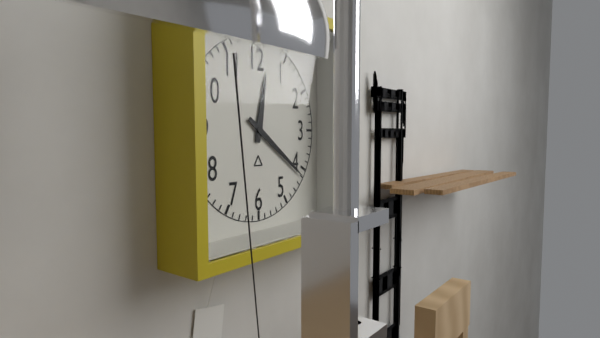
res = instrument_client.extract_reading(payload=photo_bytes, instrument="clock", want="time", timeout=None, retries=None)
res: 12:21
